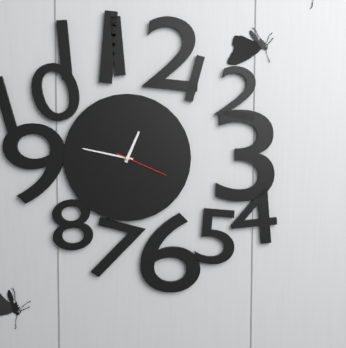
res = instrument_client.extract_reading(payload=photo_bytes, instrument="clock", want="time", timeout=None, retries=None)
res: 12:47:19
